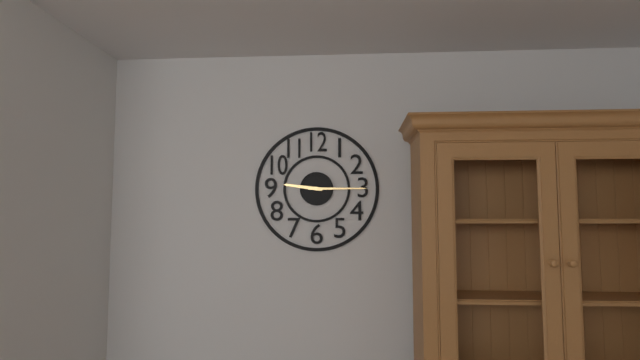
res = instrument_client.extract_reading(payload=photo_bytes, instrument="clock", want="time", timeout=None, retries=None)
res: 9:15
